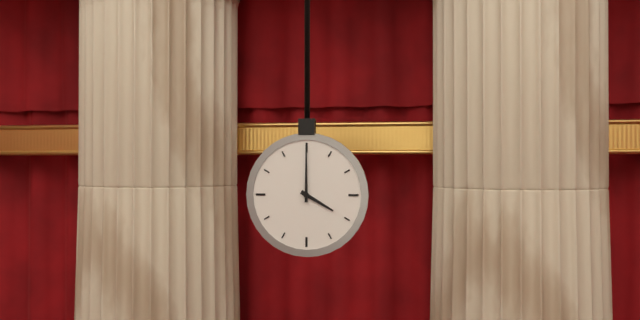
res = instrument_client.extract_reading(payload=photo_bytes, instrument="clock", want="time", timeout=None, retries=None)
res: 4:00
